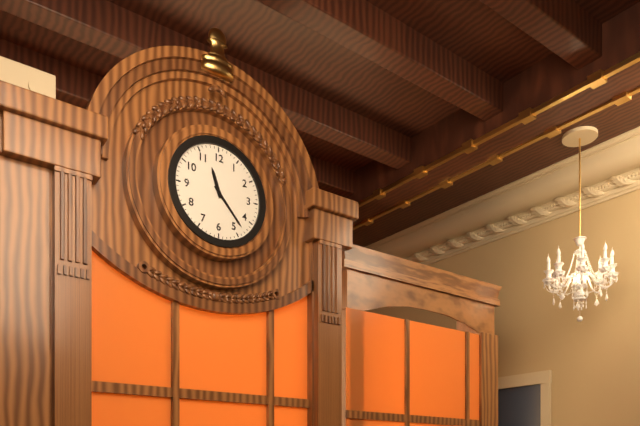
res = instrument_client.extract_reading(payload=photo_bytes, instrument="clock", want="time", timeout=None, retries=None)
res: 11:23
